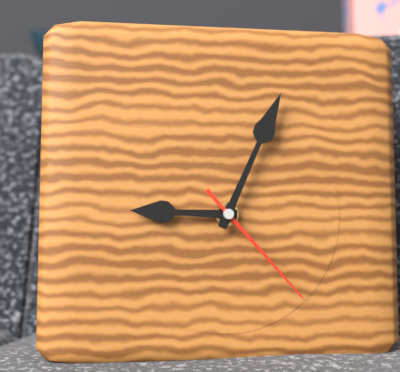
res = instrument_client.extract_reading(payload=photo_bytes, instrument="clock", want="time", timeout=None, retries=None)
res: 9:04:23
